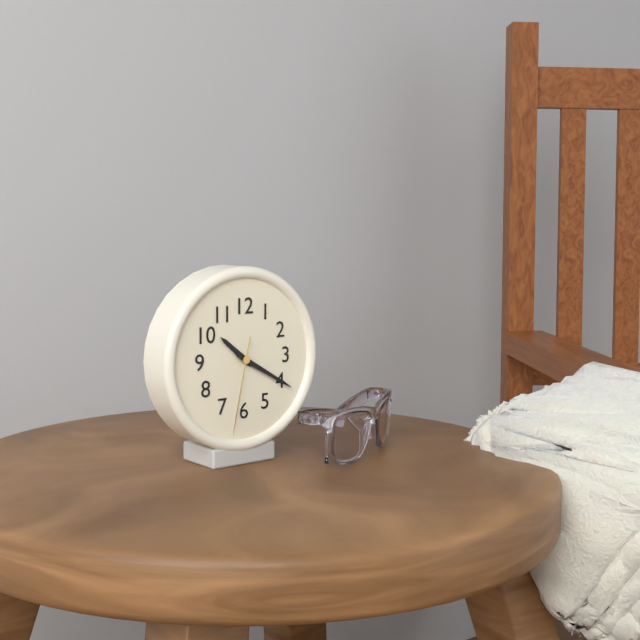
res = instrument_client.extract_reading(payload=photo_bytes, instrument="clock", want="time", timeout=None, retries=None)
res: 10:20:32
